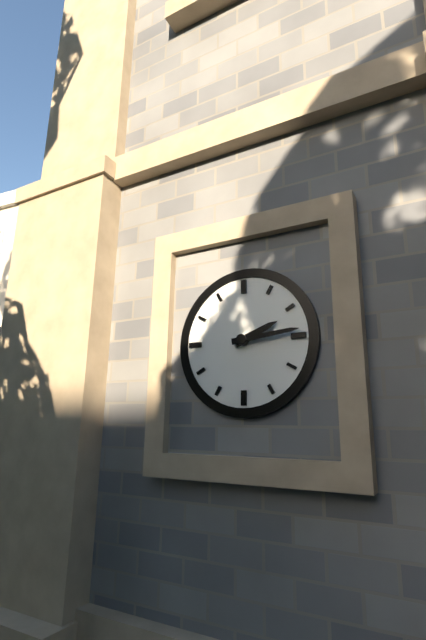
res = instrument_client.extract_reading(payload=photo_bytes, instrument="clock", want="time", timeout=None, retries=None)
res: 2:14
